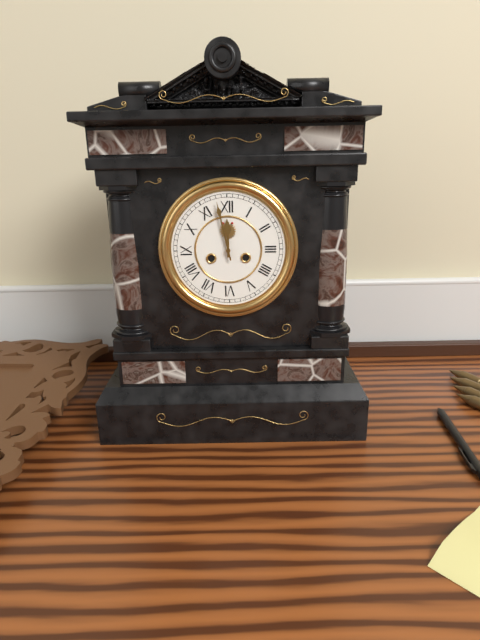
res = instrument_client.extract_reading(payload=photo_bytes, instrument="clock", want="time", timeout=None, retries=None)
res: 11:58
